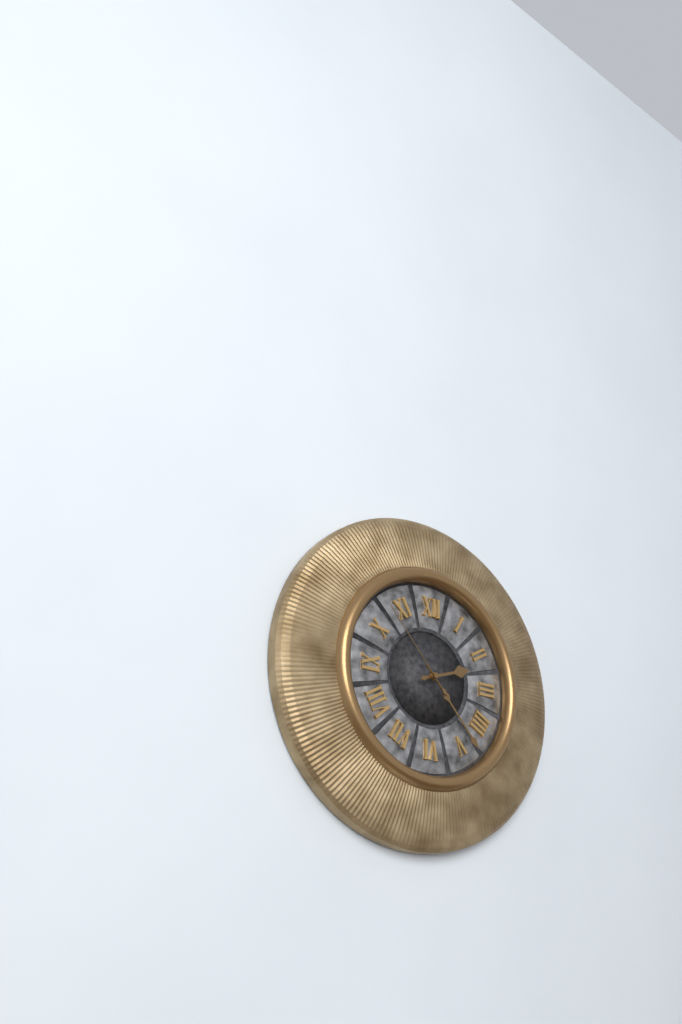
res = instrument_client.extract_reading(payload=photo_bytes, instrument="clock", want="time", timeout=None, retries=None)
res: 2:23:53
